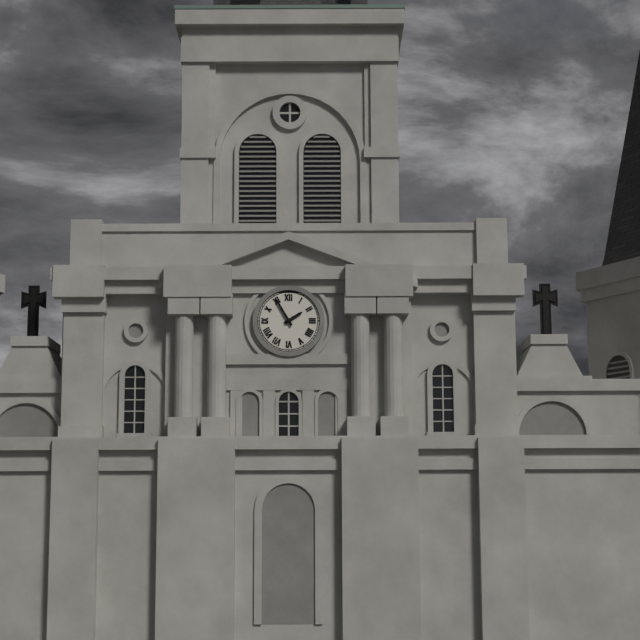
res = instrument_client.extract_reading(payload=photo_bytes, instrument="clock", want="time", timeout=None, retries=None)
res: 1:55
